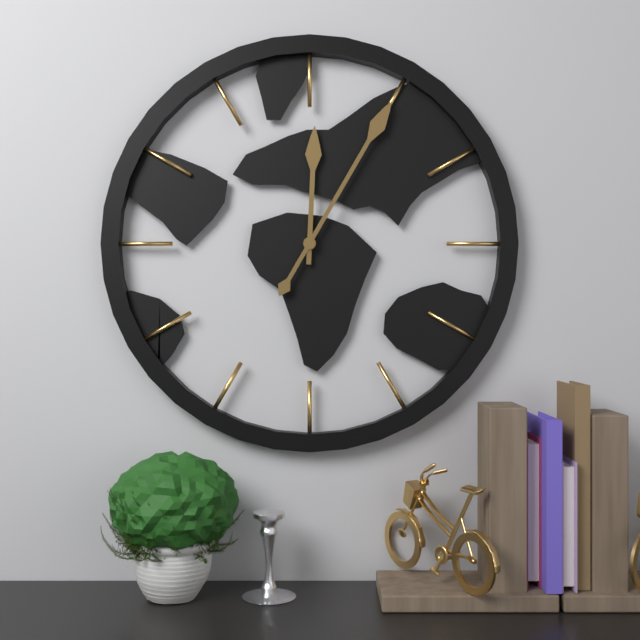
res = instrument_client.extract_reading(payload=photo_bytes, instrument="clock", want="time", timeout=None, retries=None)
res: 12:05
